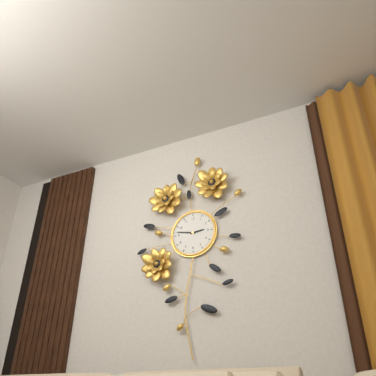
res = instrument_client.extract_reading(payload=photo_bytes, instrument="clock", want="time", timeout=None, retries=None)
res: 2:47
